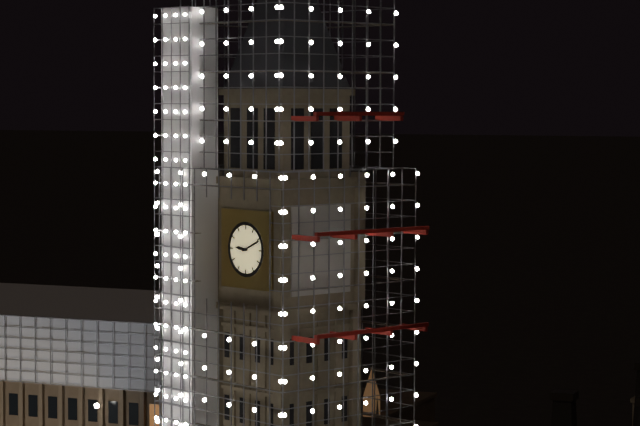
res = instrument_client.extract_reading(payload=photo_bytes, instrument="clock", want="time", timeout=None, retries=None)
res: 9:11
